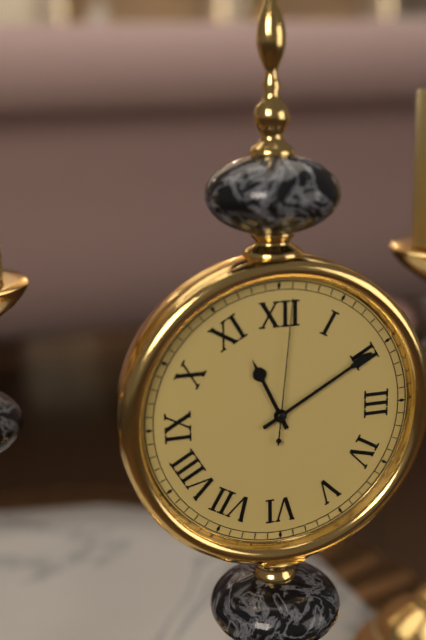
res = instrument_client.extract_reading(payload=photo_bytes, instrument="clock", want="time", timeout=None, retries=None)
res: 11:10:01
